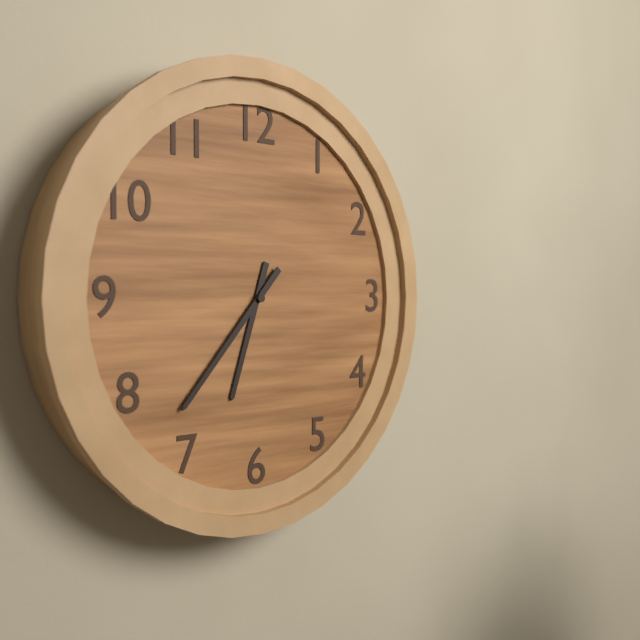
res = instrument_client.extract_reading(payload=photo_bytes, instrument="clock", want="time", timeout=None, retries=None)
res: 6:37
